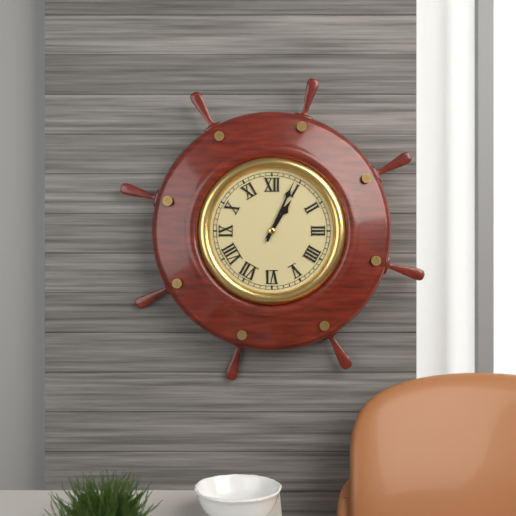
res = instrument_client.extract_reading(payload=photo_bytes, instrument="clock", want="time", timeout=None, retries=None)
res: 1:04
